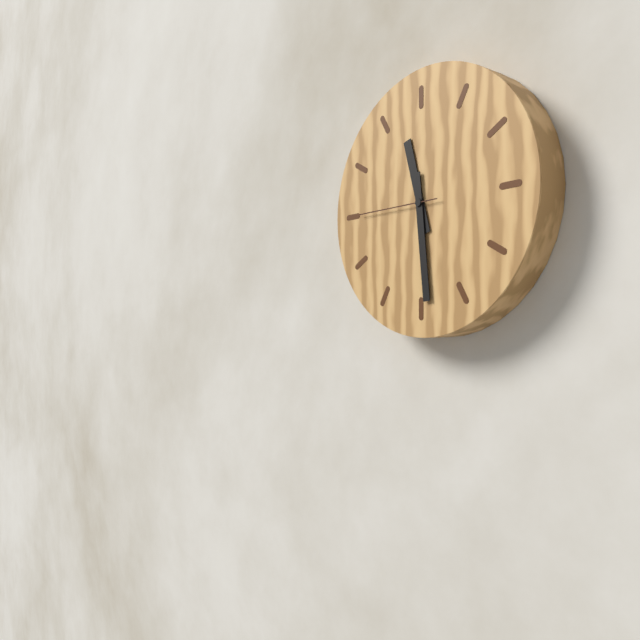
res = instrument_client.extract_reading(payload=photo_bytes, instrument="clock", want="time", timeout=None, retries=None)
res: 11:29:45
